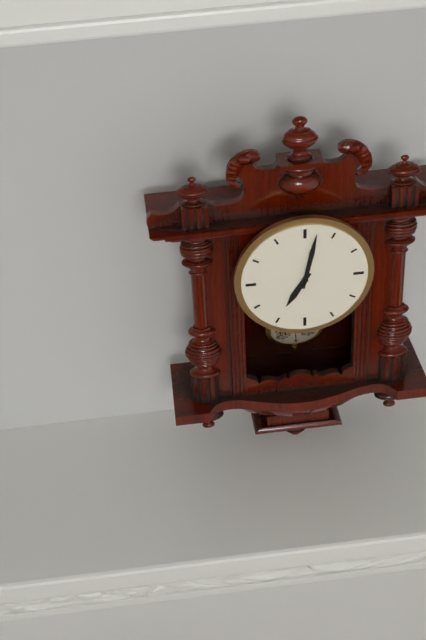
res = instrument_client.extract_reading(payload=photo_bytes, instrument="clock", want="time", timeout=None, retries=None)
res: 7:02
